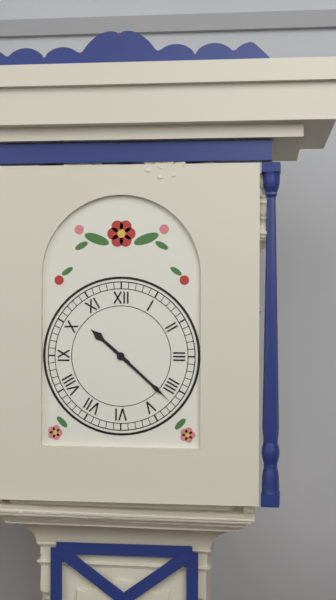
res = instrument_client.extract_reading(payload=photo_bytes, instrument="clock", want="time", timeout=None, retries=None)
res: 10:22
